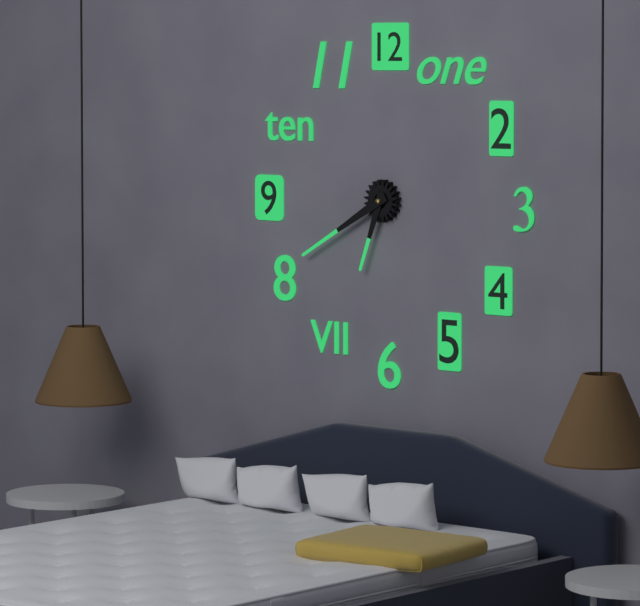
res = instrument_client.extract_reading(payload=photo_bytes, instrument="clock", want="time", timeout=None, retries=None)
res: 6:40
